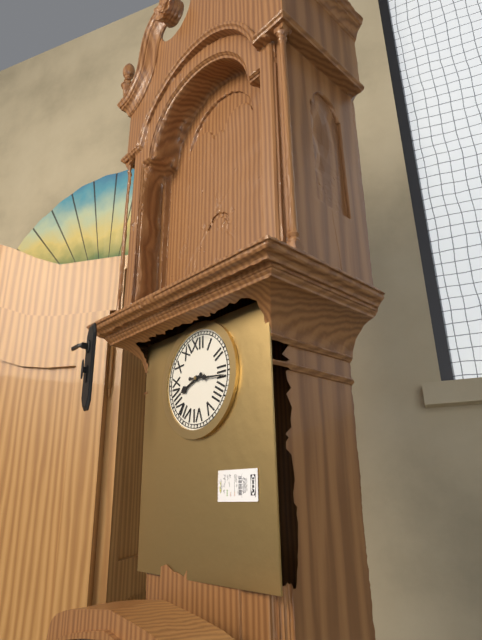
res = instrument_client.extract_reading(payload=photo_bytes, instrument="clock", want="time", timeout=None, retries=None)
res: 8:16
